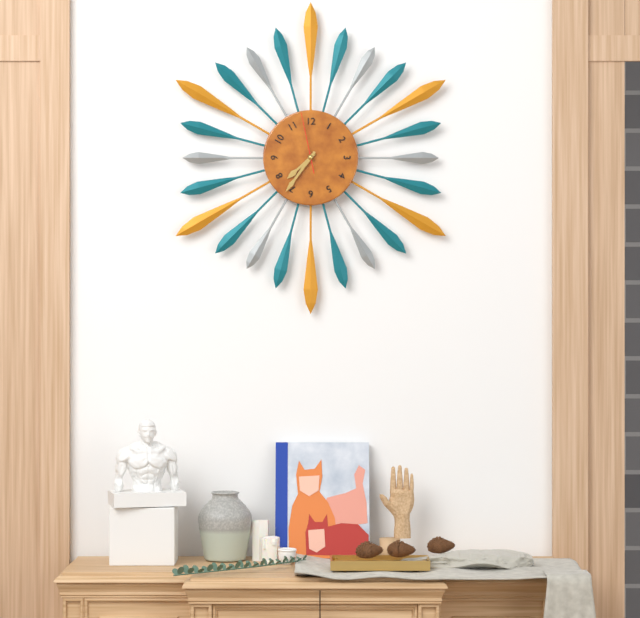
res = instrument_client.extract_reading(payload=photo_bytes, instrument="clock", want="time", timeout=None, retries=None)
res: 7:36:58
